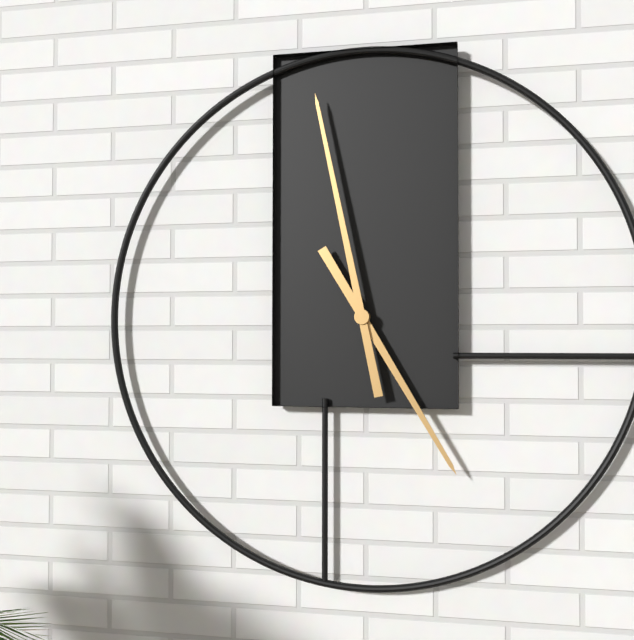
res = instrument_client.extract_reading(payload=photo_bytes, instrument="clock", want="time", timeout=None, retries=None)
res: 4:58
